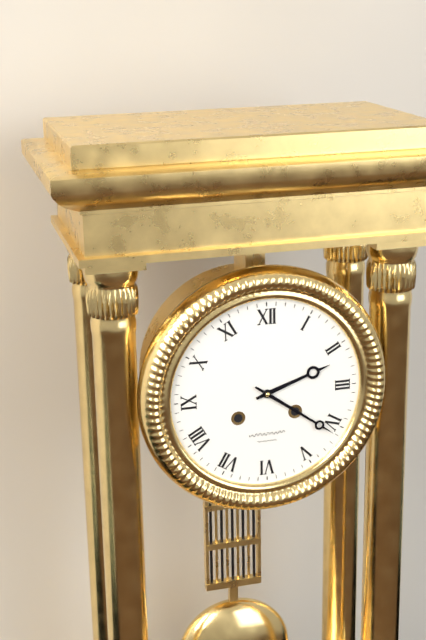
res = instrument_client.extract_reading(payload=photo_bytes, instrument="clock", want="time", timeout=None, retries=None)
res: 2:21
